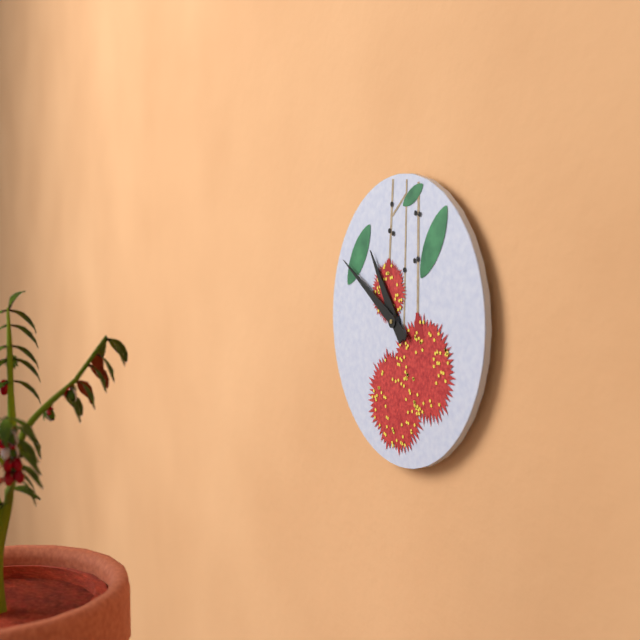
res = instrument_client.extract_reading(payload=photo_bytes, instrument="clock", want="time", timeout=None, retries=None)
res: 10:50
